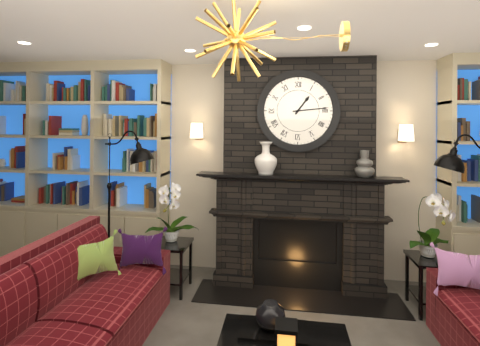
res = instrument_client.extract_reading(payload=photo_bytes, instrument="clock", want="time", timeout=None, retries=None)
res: 1:14
